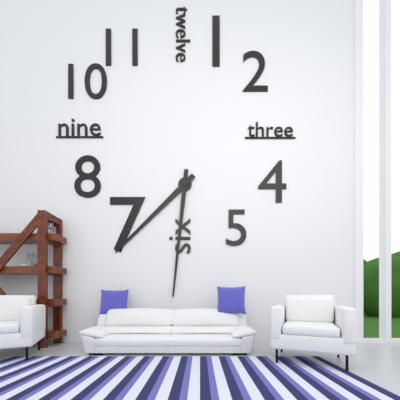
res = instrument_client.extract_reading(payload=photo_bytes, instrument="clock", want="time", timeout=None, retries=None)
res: 7:31
